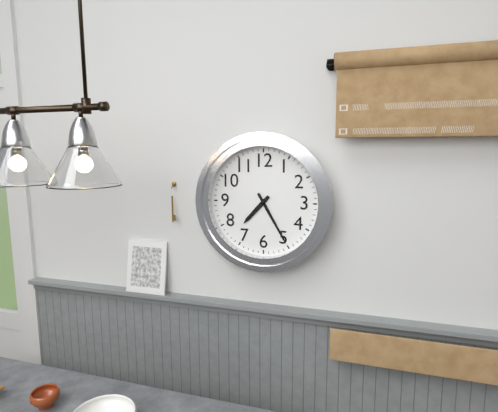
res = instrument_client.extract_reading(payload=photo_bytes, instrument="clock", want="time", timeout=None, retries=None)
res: 7:25
